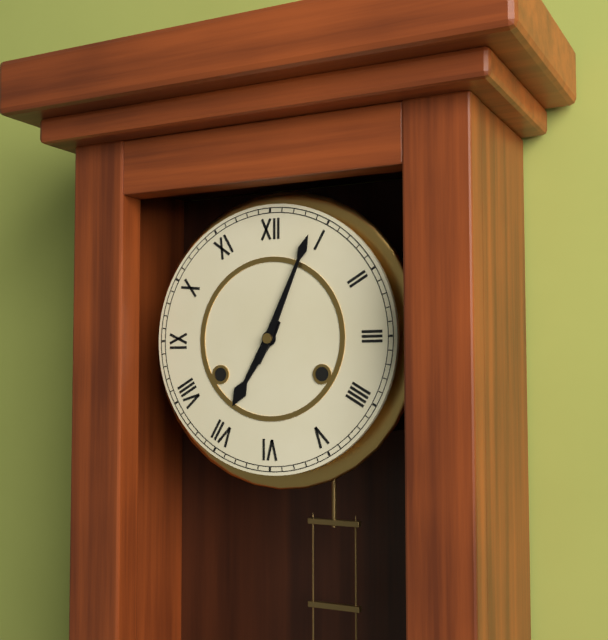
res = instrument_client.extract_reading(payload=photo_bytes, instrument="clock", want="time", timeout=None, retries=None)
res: 7:04
